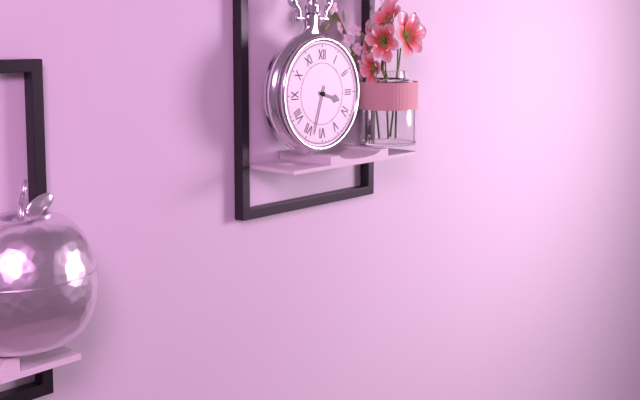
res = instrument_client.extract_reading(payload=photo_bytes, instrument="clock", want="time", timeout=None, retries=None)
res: 3:33
